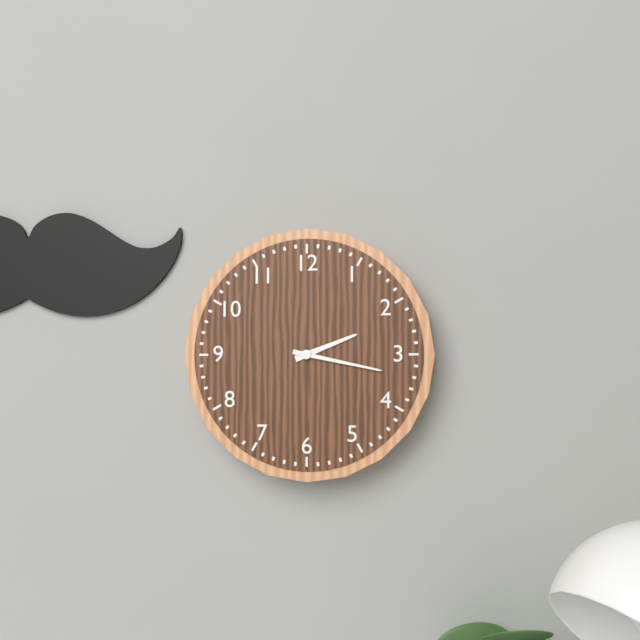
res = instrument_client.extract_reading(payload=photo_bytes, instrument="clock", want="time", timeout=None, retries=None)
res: 2:17
